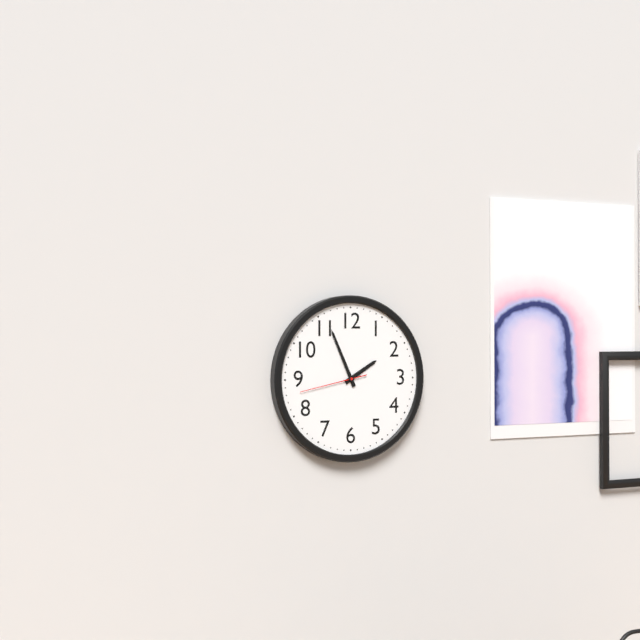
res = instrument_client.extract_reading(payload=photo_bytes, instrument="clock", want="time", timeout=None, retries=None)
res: 1:56:43
